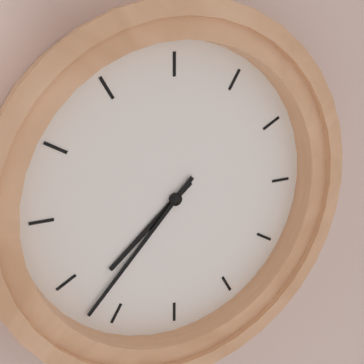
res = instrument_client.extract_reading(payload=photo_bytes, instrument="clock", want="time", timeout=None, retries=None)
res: 7:37
